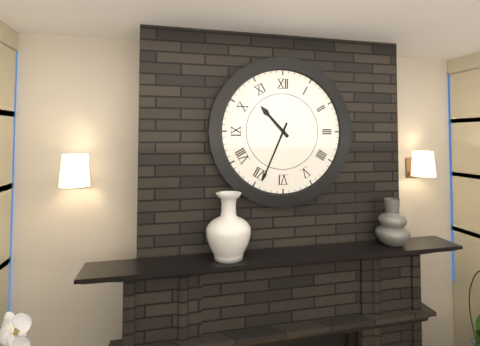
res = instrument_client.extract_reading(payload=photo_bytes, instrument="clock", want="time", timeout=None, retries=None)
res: 10:34
